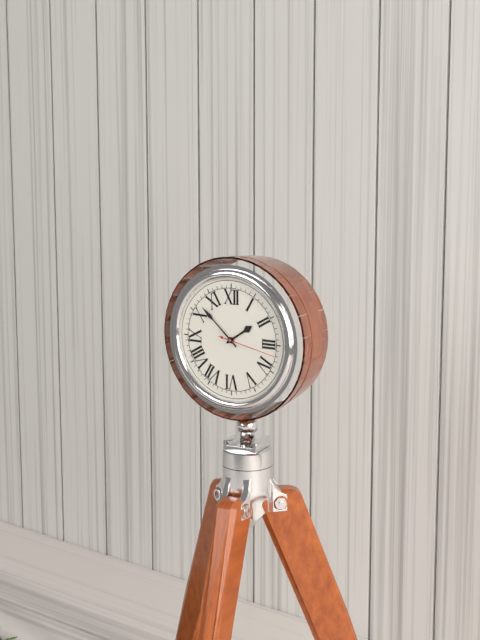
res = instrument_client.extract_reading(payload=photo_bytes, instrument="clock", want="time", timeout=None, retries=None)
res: 1:52
